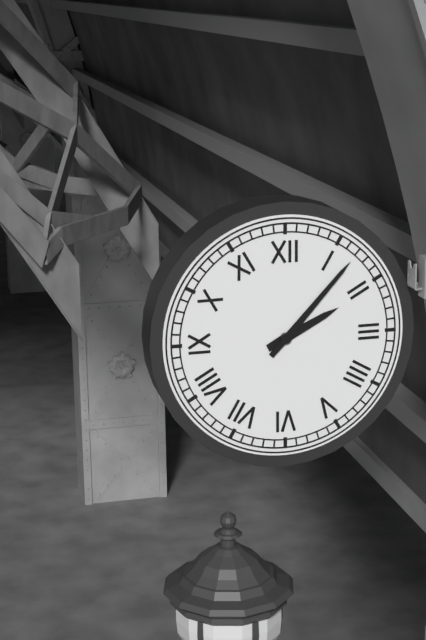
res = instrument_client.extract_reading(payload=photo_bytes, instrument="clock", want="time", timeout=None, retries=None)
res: 2:07
